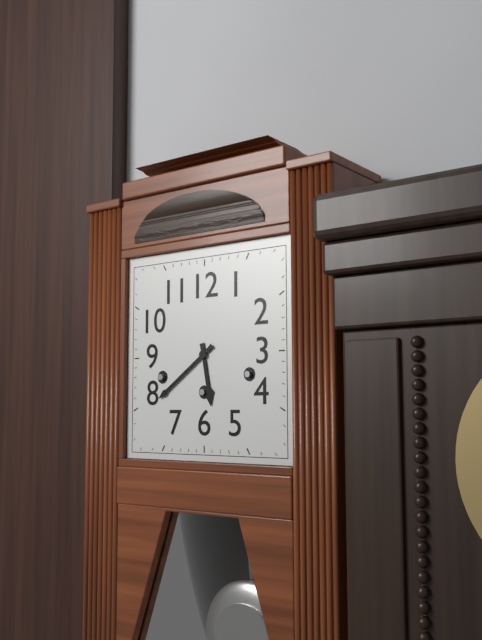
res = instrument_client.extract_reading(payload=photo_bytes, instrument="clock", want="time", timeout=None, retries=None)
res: 5:39
